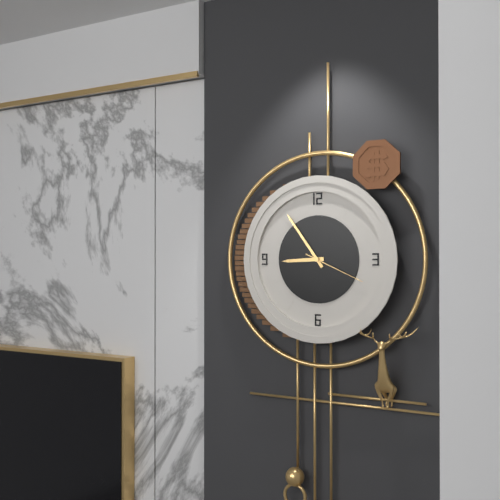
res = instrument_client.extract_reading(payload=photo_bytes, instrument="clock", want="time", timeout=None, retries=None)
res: 8:54:19
